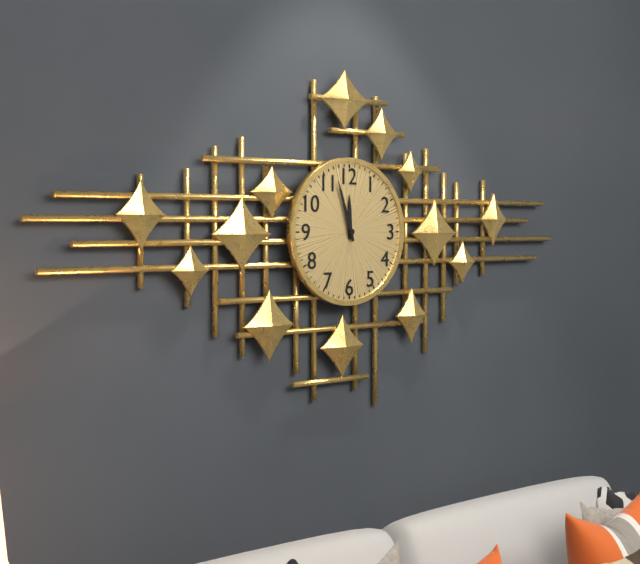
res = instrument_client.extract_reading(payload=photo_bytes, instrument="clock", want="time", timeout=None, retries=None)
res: 11:57
